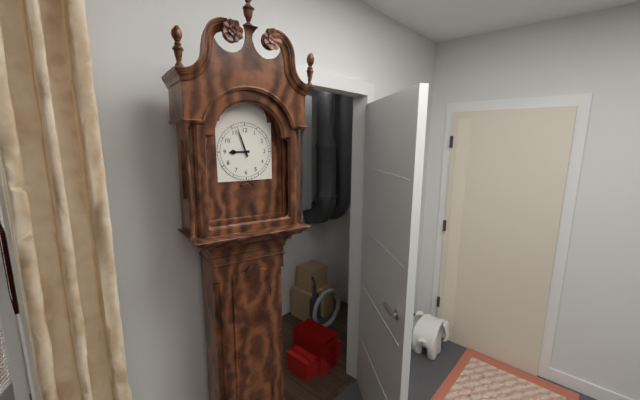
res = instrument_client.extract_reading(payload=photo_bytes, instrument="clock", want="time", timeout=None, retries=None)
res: 8:57
